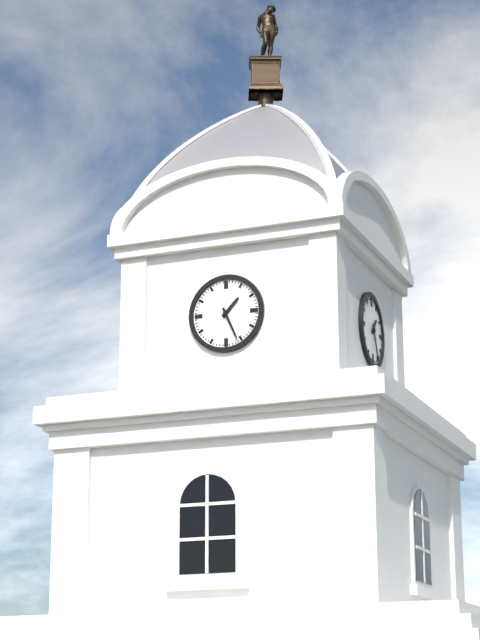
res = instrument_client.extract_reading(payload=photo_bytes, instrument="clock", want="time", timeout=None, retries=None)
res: 1:26
